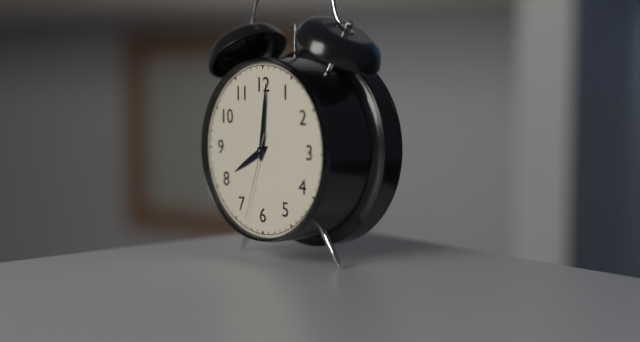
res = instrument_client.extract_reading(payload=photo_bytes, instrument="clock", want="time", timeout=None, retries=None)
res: 8:01:33
